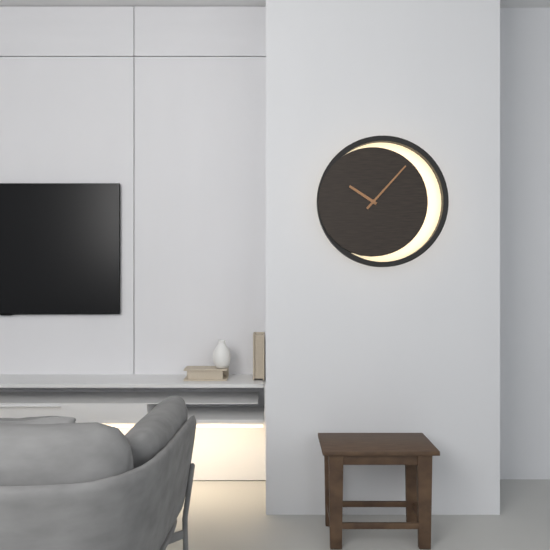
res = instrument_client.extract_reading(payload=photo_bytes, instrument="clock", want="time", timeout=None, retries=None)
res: 10:07
